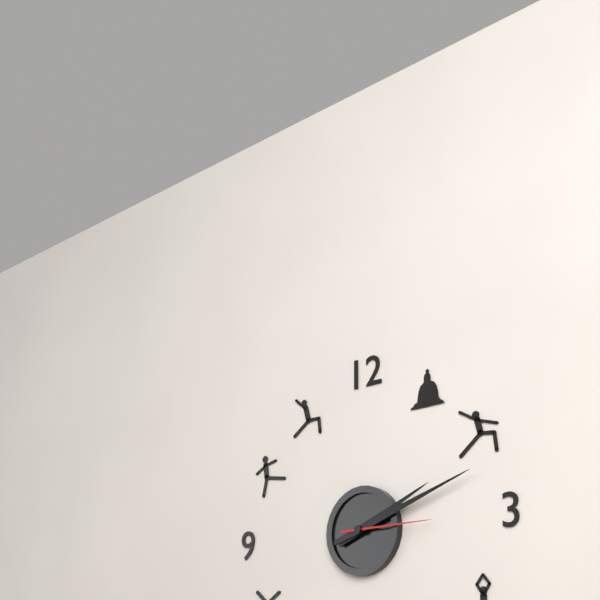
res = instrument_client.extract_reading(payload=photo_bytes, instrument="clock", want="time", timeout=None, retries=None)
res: 2:12:15
